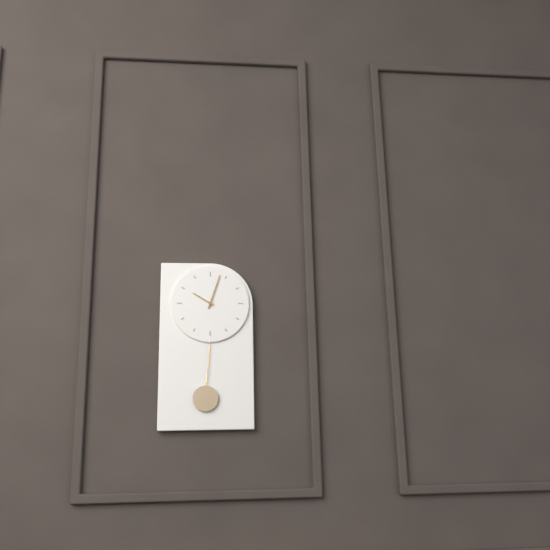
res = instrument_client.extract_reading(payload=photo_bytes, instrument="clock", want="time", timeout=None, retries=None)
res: 10:03
